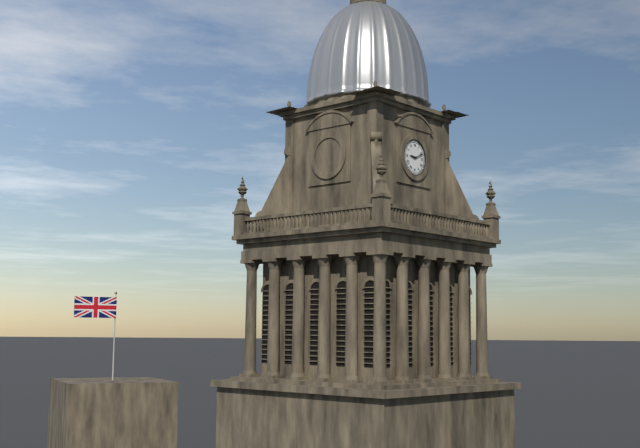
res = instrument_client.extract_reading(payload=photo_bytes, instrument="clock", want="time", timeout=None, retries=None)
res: 9:11
